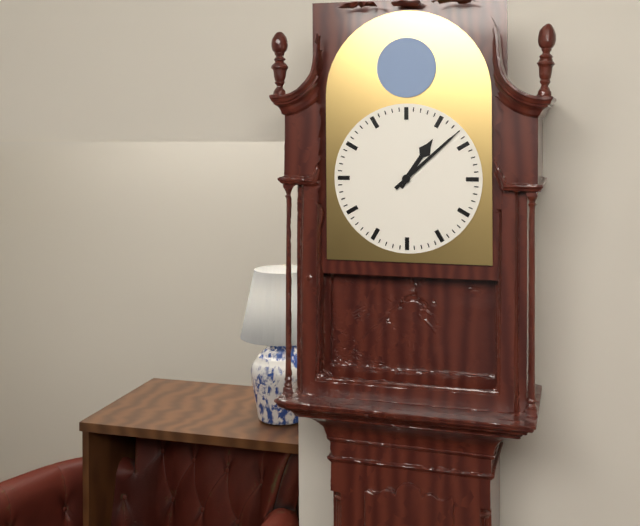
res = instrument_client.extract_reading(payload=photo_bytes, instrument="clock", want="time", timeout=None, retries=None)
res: 1:08
